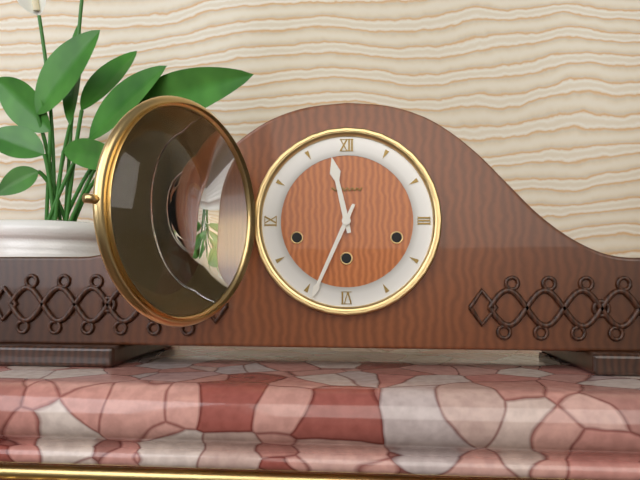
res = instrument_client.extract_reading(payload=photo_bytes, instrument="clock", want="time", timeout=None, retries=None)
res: 11:34
